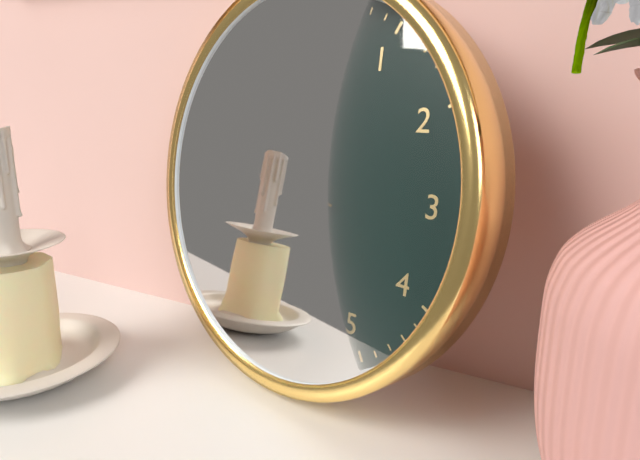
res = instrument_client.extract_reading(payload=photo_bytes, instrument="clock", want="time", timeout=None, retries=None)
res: 6:57:48
